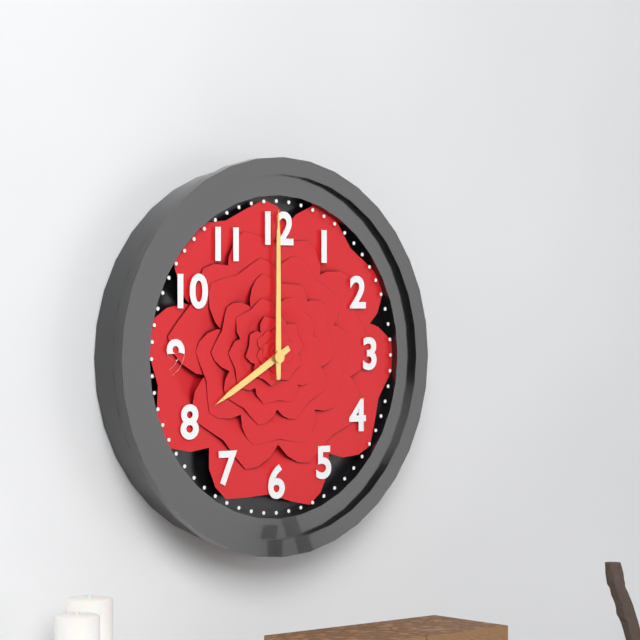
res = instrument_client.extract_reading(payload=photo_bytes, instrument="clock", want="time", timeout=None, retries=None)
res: 8:00
